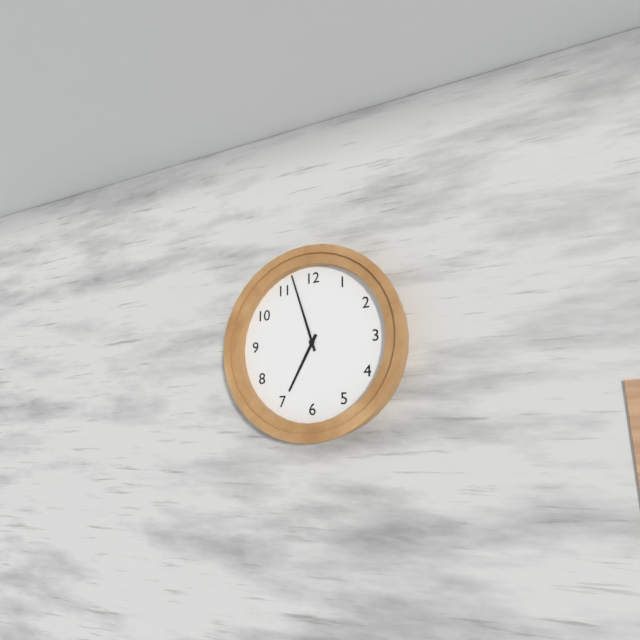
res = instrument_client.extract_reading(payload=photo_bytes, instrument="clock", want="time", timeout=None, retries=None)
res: 6:57
